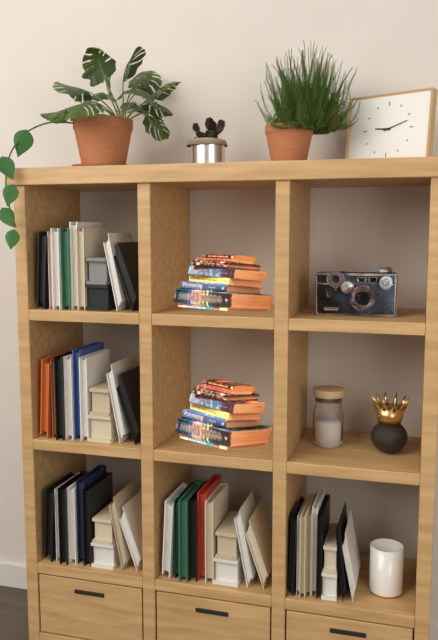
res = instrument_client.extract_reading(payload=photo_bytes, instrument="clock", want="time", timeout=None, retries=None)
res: 9:12
